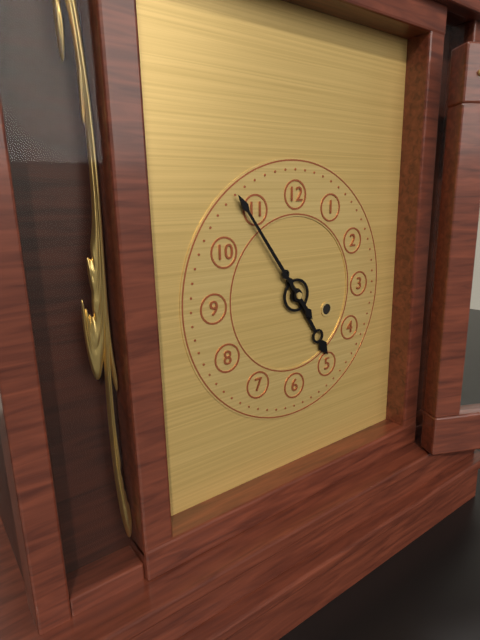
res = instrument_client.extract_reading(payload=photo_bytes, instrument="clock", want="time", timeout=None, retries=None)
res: 4:54
